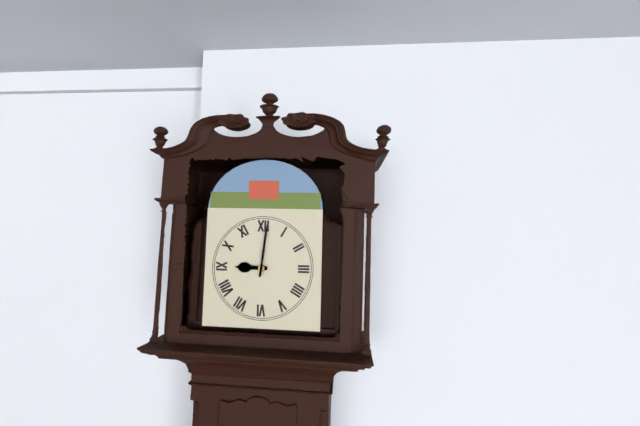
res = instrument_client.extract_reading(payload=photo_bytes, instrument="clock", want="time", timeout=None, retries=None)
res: 9:01
